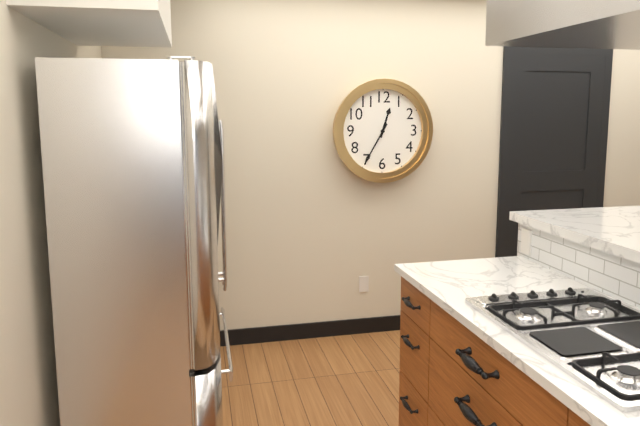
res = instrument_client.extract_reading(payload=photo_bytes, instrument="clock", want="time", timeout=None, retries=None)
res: 12:35
